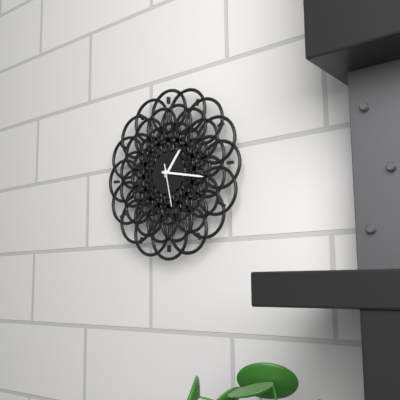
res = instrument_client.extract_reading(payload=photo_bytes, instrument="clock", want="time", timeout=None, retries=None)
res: 1:17
